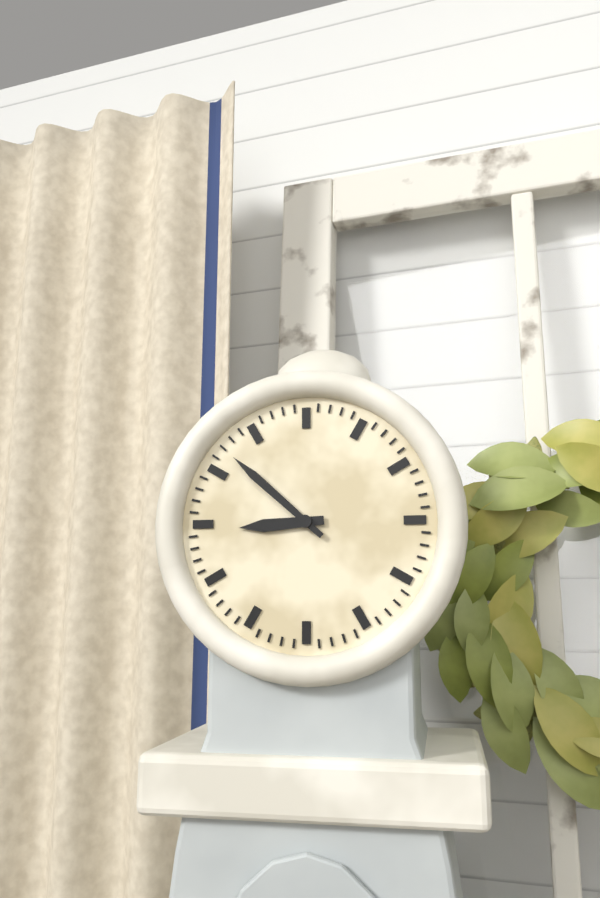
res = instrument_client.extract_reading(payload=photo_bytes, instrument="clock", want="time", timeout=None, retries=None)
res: 8:52
